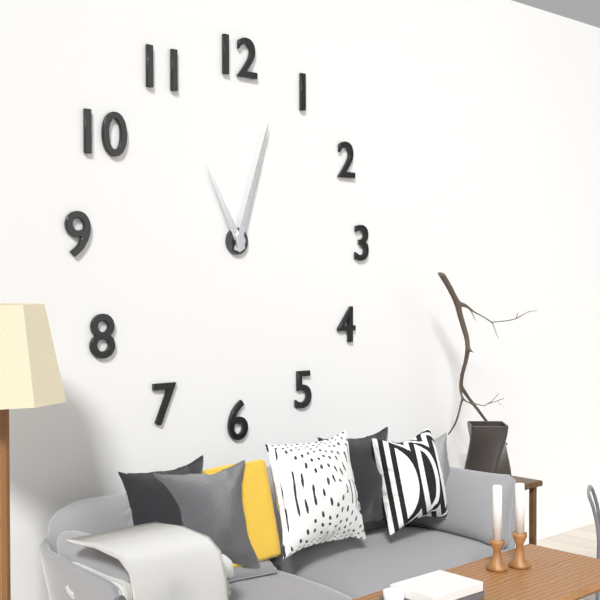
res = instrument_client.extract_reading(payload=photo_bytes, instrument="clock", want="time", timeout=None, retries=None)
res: 11:03
